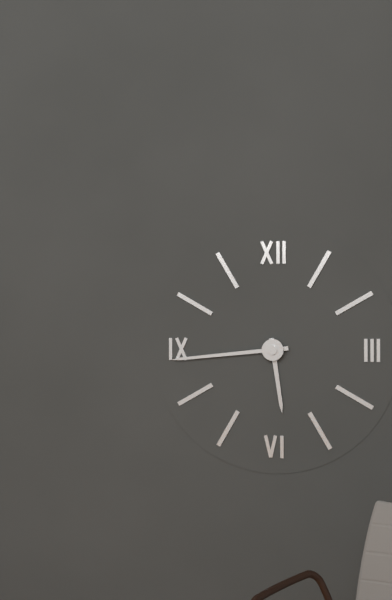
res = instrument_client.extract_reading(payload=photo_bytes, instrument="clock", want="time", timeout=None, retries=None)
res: 5:44
